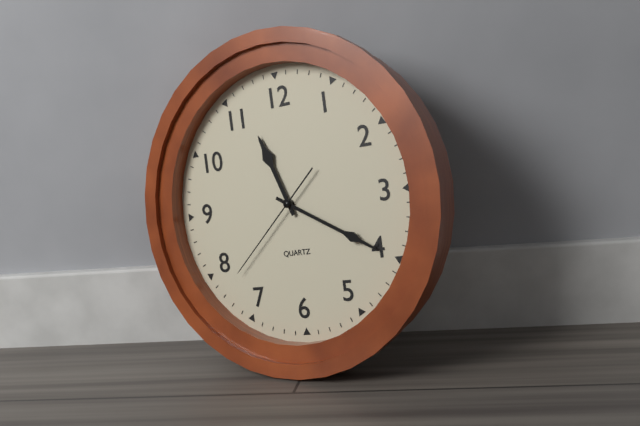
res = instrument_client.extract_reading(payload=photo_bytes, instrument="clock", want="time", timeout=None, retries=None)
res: 11:20:38
